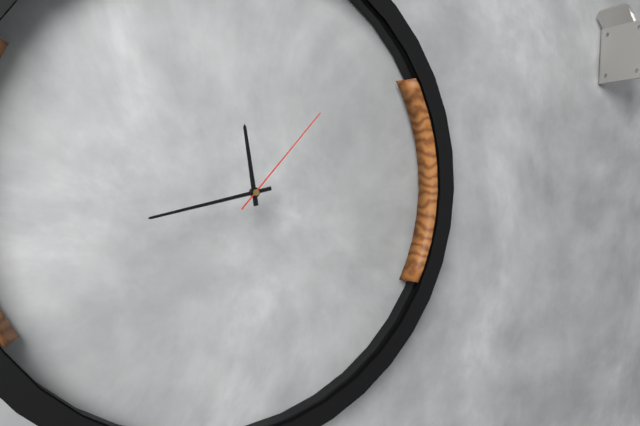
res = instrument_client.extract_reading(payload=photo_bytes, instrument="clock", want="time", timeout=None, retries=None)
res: 11:43:07
